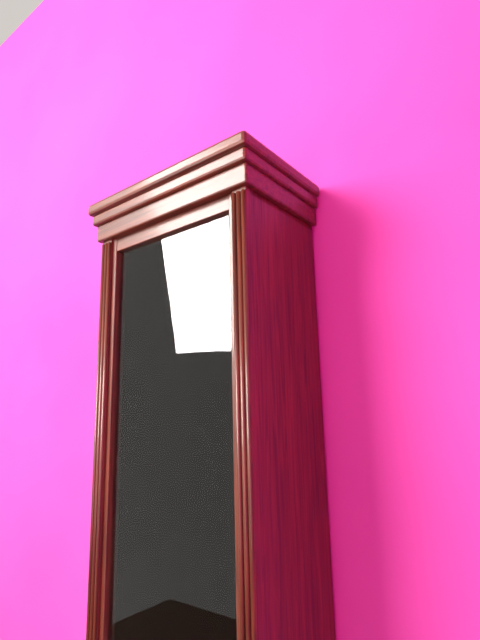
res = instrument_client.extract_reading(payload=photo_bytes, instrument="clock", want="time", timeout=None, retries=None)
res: 3:36
